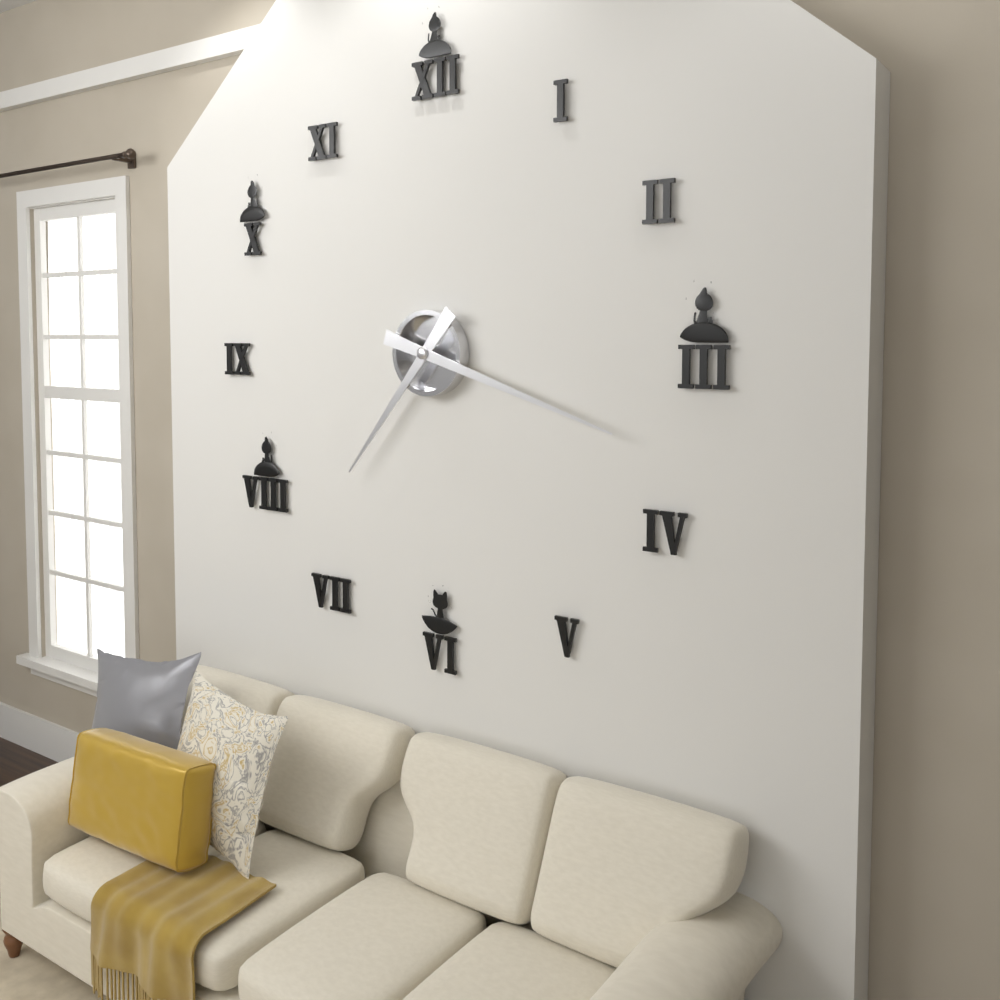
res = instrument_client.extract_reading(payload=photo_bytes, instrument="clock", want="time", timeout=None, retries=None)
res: 7:18
